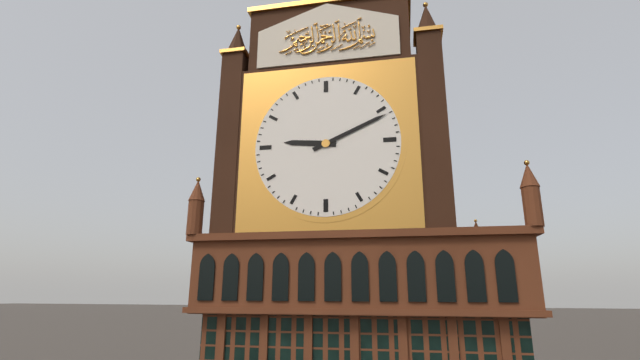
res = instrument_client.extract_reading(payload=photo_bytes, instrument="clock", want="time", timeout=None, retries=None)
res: 9:11
